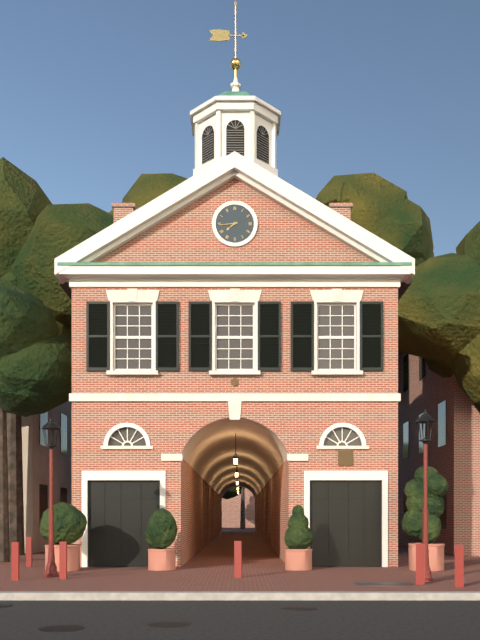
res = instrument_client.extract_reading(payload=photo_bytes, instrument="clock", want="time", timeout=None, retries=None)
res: 7:44
